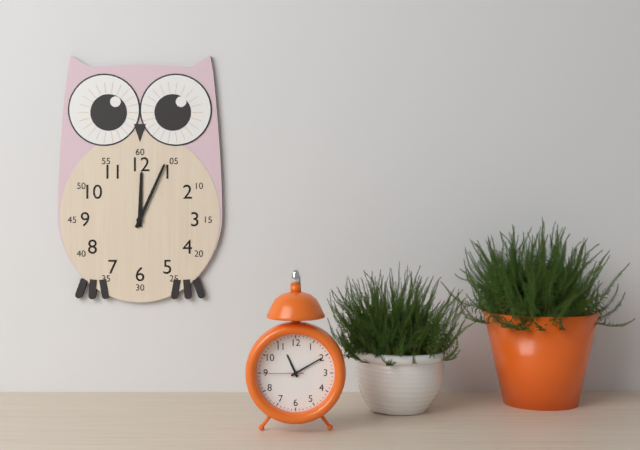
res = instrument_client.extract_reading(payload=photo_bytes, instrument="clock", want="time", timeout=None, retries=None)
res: 12:04
